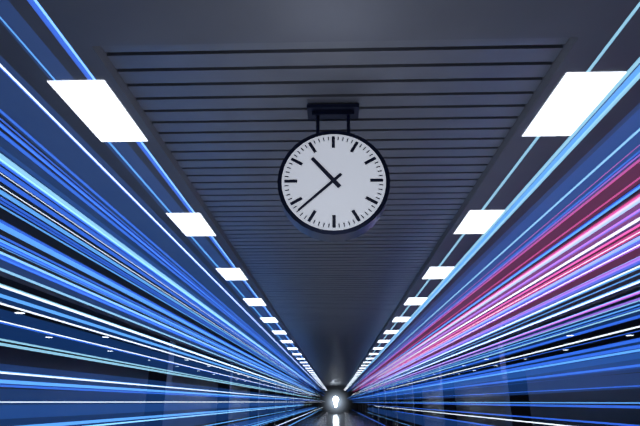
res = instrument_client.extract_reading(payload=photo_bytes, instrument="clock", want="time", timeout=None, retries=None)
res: 10:38
